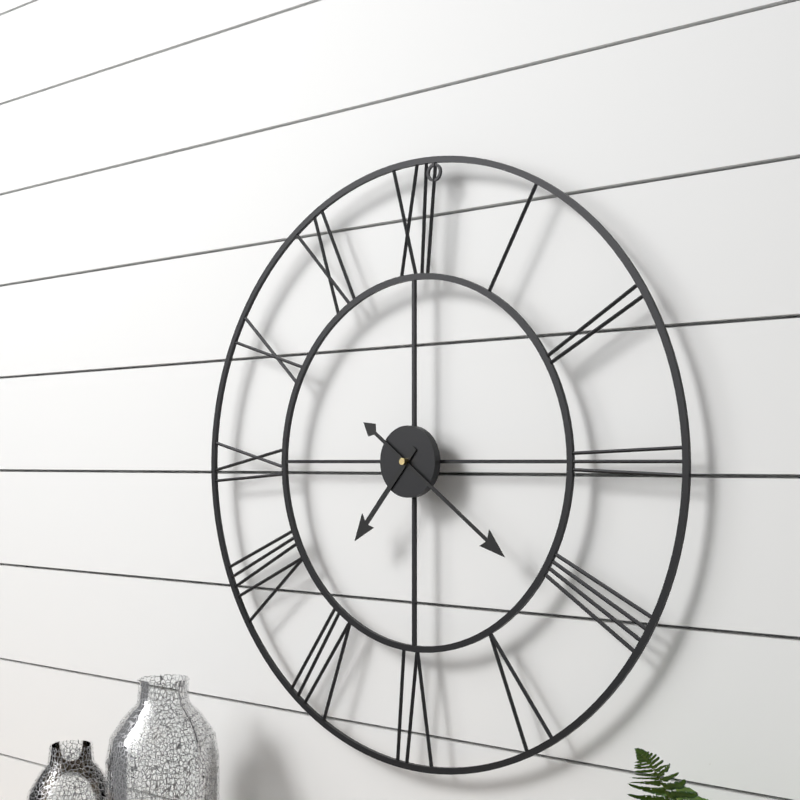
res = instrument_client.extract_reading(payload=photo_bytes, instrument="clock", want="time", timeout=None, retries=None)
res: 7:21
